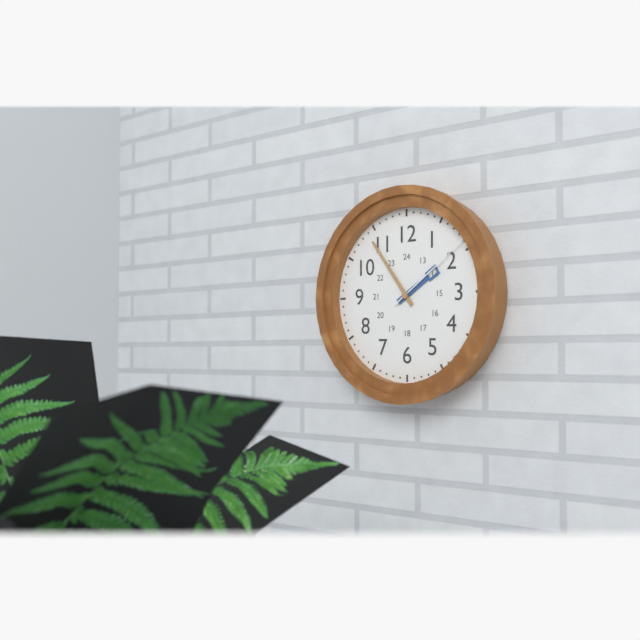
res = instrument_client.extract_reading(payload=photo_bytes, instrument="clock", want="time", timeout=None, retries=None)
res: 1:54:09
